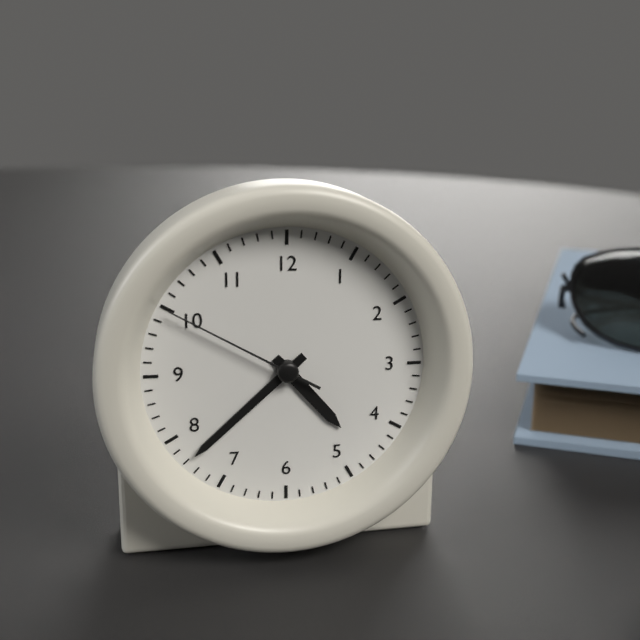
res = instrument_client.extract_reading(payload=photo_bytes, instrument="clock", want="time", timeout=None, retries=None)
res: 4:38:50
